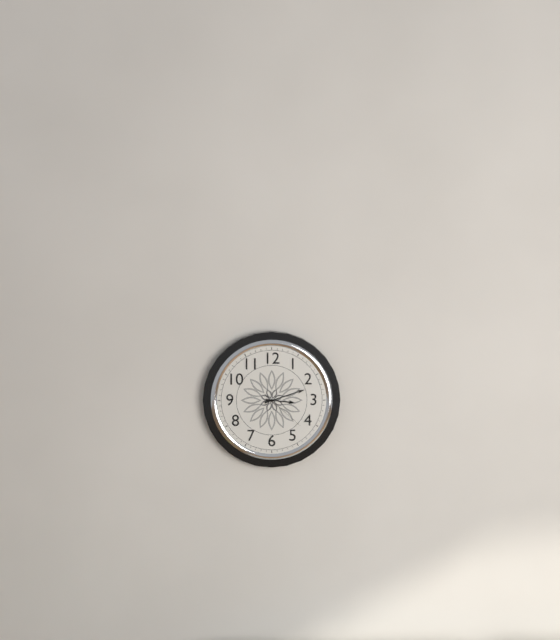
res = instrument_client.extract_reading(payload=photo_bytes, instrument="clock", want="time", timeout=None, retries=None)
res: 3:12
